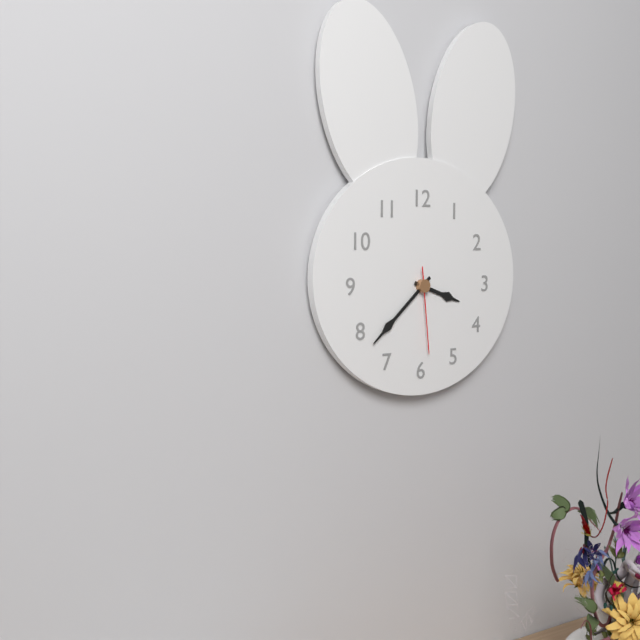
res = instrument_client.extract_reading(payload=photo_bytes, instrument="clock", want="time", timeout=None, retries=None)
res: 3:38:29
